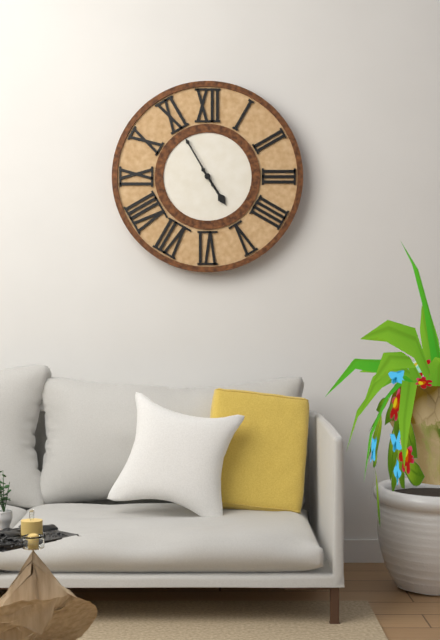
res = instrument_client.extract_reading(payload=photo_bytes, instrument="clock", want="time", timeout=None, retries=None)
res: 4:55
